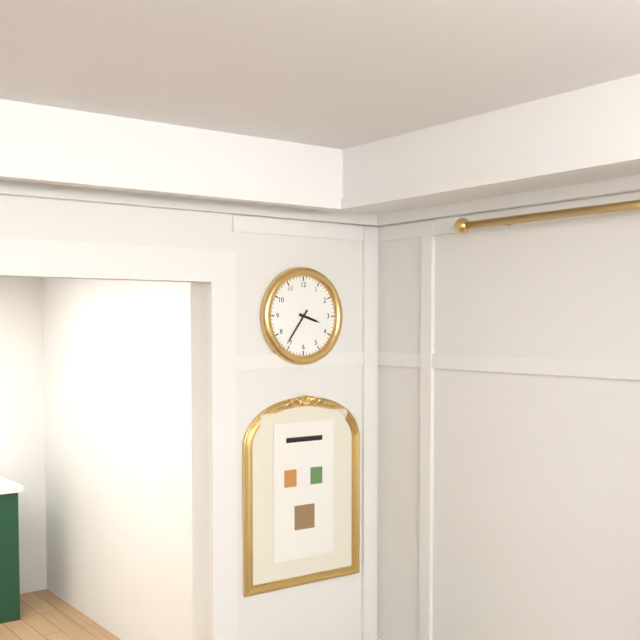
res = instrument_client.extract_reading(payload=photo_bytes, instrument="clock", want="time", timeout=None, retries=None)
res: 3:36
